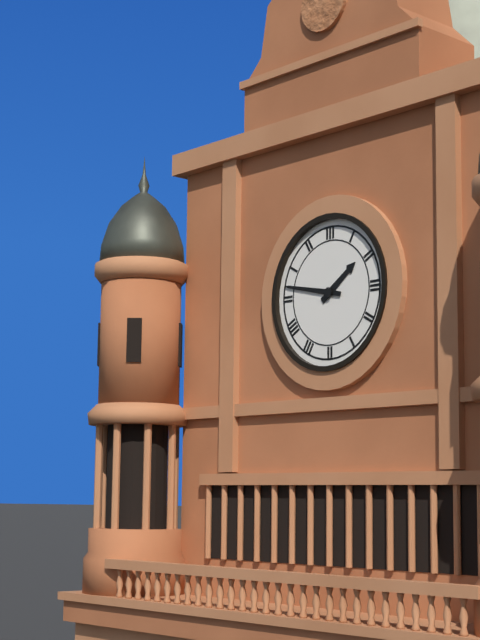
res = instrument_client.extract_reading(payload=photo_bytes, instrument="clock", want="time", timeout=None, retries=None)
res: 1:47
